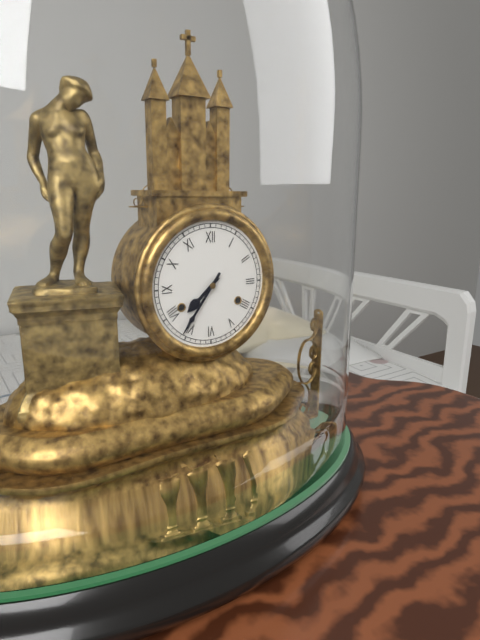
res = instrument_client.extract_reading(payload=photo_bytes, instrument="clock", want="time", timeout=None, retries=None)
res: 7:36
